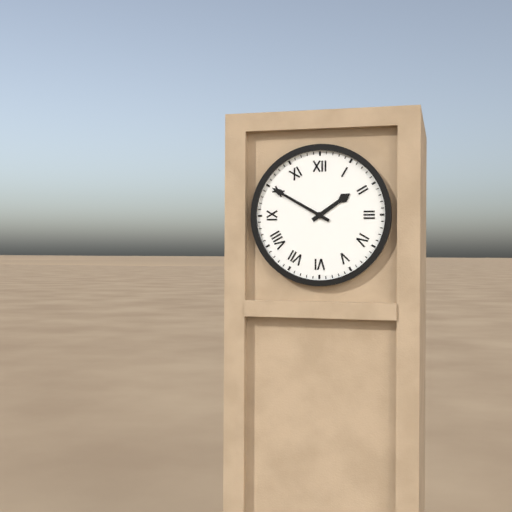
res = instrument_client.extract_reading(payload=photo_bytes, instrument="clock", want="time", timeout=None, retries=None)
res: 1:50
